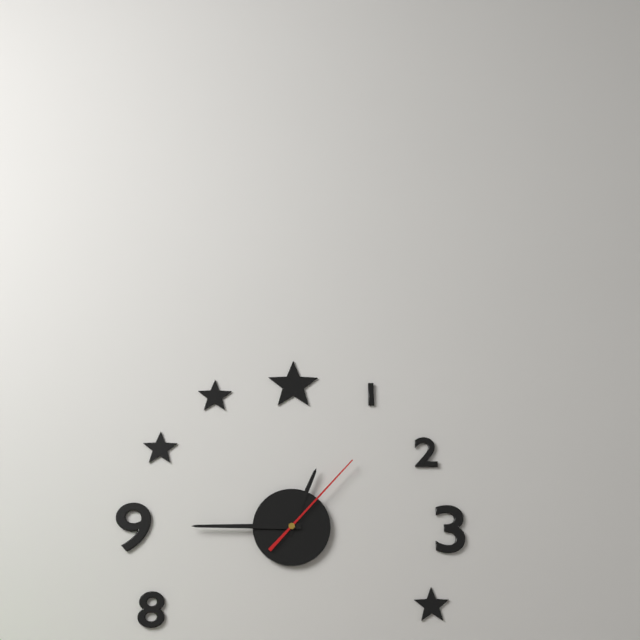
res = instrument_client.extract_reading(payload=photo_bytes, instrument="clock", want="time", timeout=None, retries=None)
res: 12:45:07
